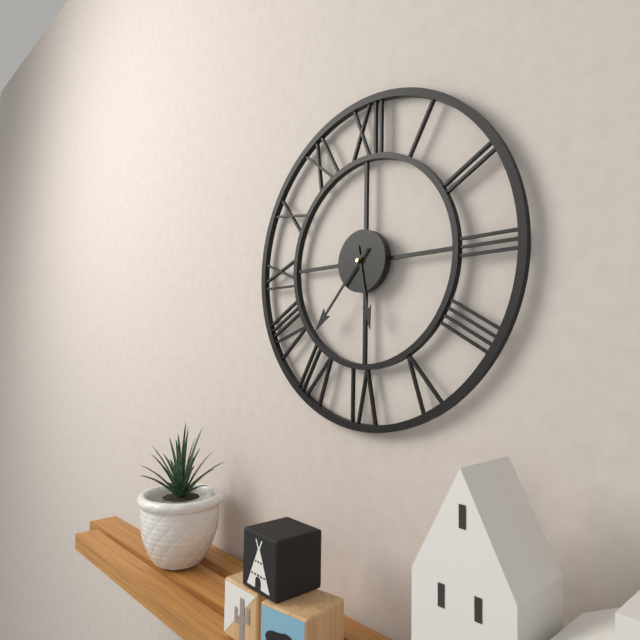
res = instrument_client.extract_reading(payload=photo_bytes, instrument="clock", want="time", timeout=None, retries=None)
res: 5:37
